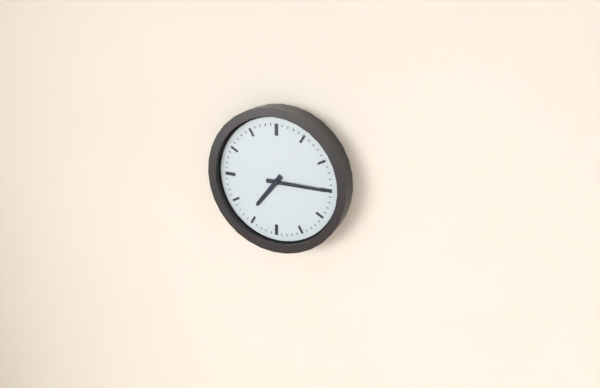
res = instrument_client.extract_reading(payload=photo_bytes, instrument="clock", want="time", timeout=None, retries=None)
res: 7:15
